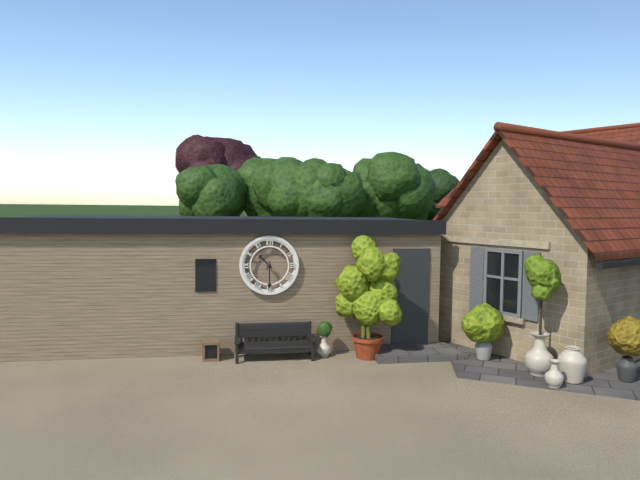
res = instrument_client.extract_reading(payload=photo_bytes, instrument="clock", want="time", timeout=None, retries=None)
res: 10:30
